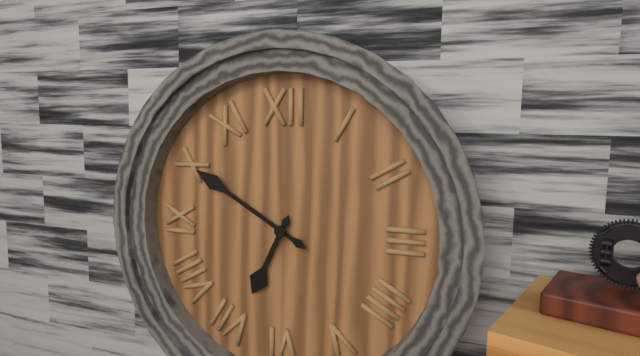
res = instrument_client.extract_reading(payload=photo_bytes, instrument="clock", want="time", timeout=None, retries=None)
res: 6:50
